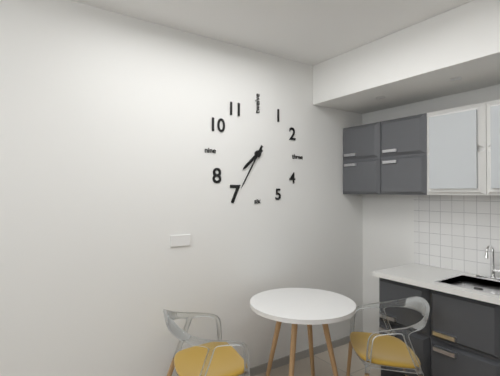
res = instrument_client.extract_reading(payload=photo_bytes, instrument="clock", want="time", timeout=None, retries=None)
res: 7:35
